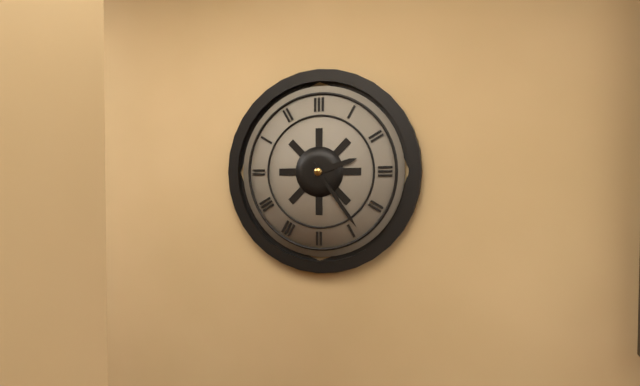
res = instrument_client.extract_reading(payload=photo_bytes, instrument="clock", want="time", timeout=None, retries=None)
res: 2:24
